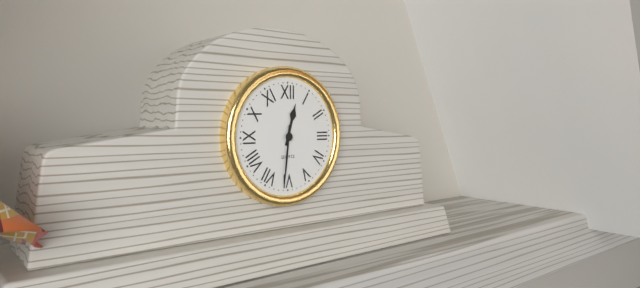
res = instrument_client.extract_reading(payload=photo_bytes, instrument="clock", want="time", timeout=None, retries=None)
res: 12:31
